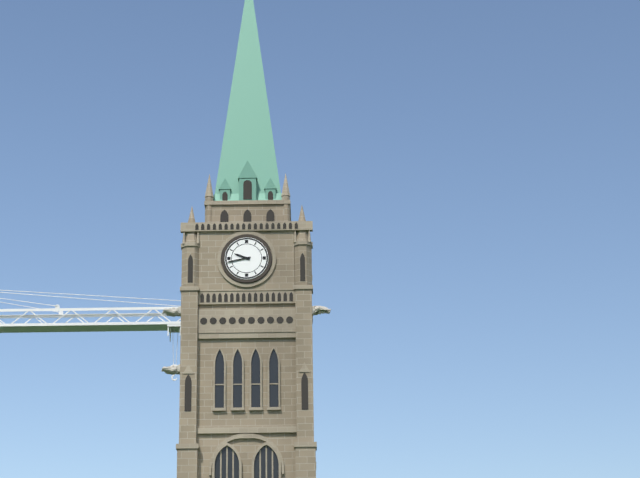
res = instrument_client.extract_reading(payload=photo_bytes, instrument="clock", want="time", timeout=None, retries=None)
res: 9:43
